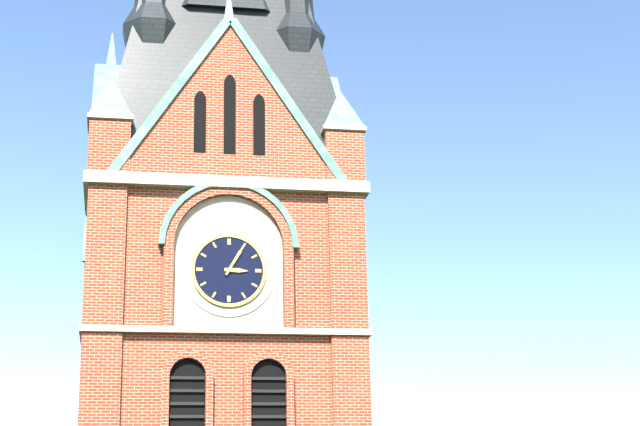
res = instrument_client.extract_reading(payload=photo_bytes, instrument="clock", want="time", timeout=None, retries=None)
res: 3:05
